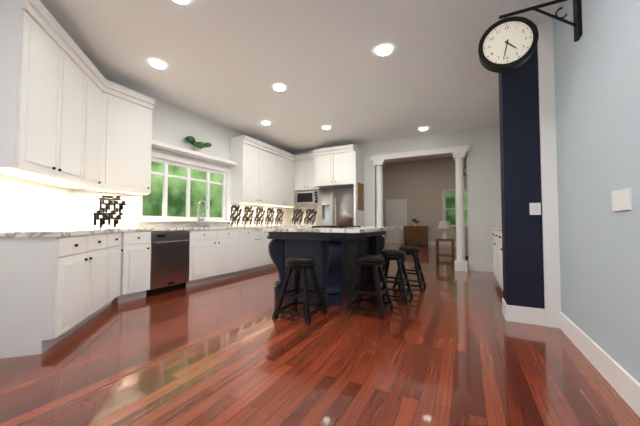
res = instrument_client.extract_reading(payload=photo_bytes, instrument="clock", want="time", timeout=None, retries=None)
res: 4:32
